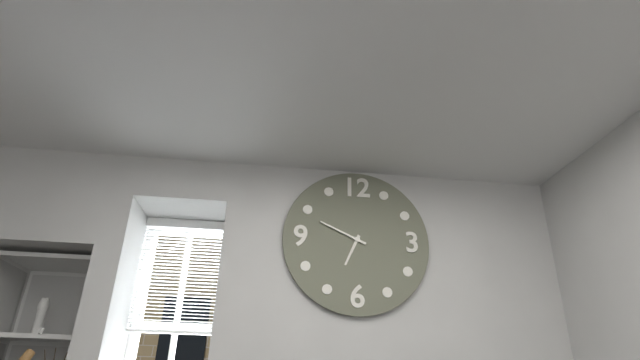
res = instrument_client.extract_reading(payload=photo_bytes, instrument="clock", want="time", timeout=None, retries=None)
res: 6:49
